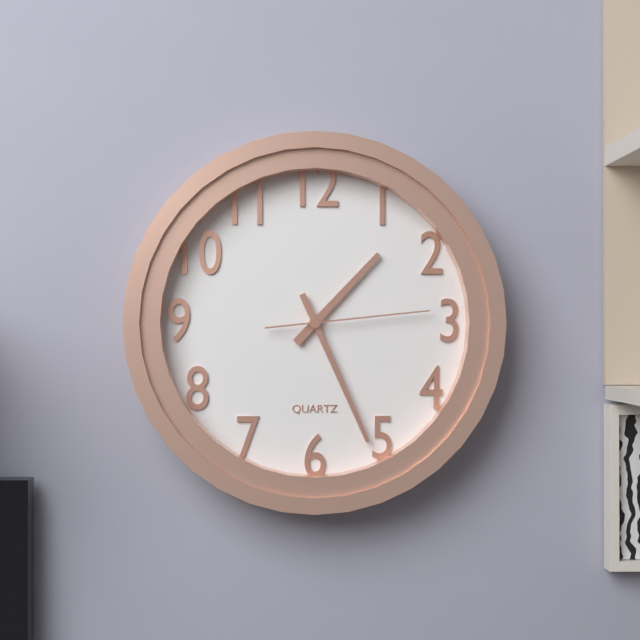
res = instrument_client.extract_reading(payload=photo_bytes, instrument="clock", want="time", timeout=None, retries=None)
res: 1:26:14
